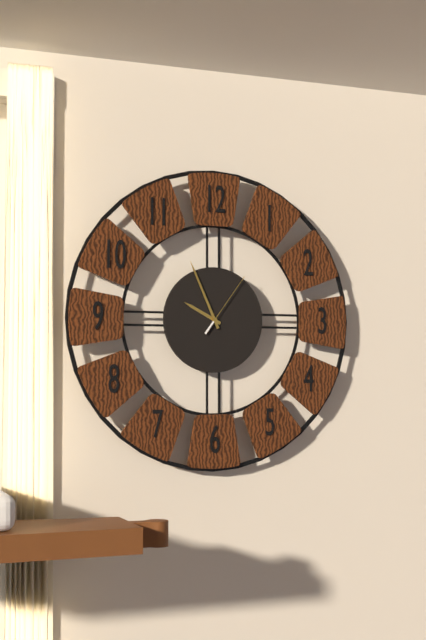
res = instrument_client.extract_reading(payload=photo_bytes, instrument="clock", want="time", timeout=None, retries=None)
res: 9:56:06
